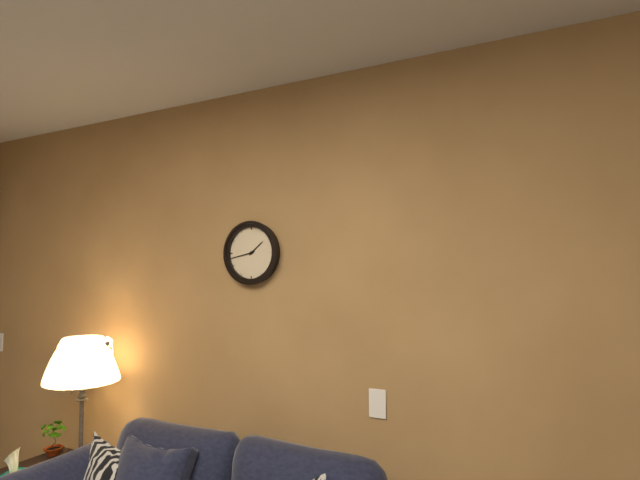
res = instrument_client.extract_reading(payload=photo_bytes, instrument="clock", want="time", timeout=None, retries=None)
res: 1:43
